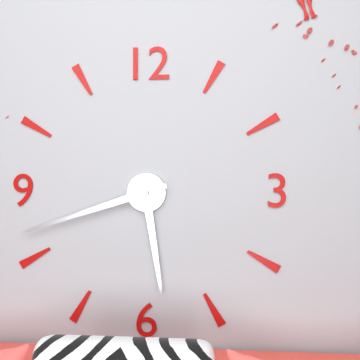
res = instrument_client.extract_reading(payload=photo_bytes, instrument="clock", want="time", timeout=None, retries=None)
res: 5:42
